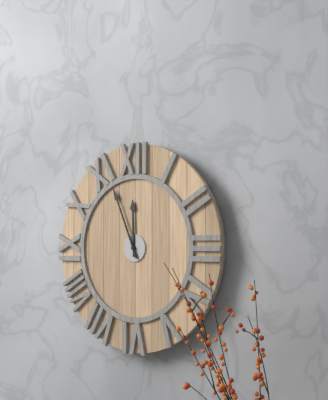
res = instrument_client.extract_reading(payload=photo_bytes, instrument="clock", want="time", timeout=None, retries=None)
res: 11:56
